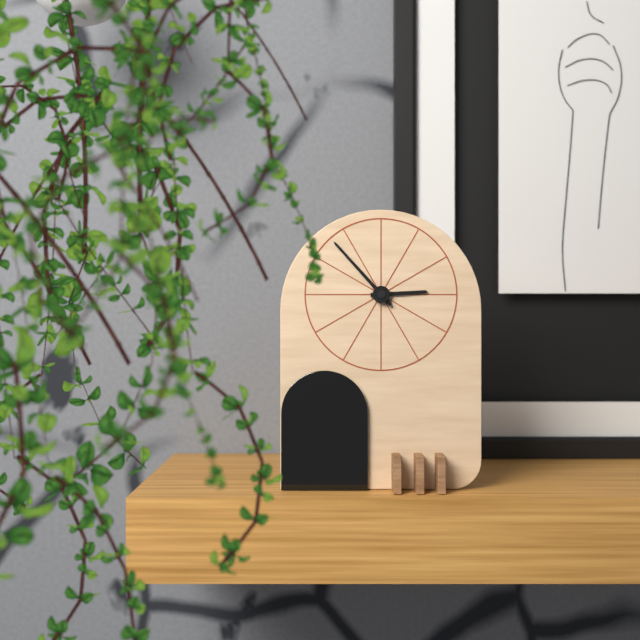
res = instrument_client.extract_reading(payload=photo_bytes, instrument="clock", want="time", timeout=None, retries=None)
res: 2:53
